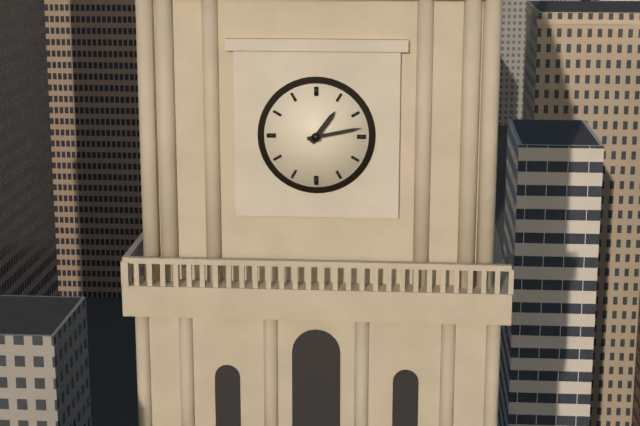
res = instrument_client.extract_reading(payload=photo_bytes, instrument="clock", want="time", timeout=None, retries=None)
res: 1:13
